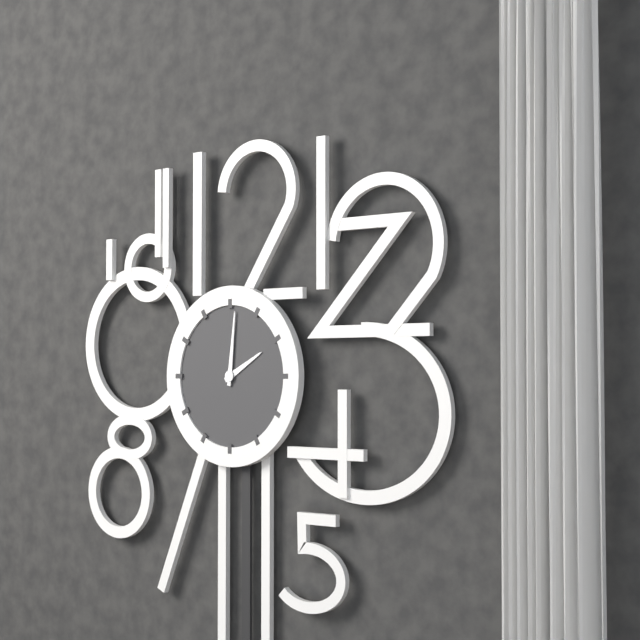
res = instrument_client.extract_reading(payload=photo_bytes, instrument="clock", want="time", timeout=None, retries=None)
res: 2:01
